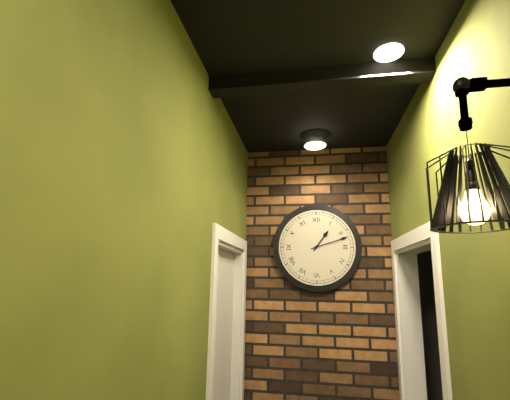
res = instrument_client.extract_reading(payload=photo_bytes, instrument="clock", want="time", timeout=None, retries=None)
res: 1:12
